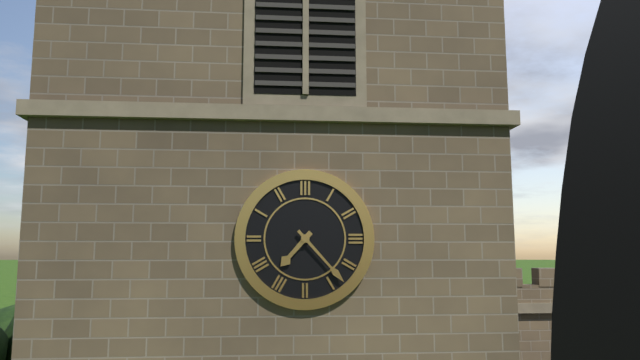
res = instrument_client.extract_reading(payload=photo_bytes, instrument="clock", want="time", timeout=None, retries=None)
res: 7:23
